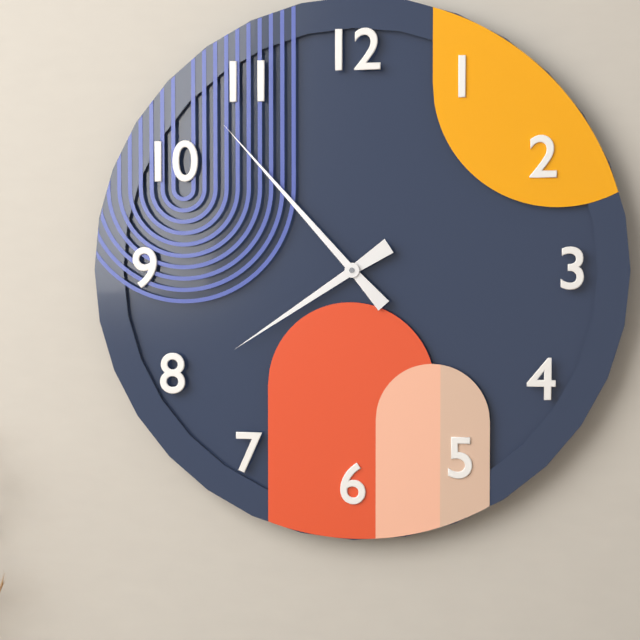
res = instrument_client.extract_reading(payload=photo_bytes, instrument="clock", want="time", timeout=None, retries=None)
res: 7:53
